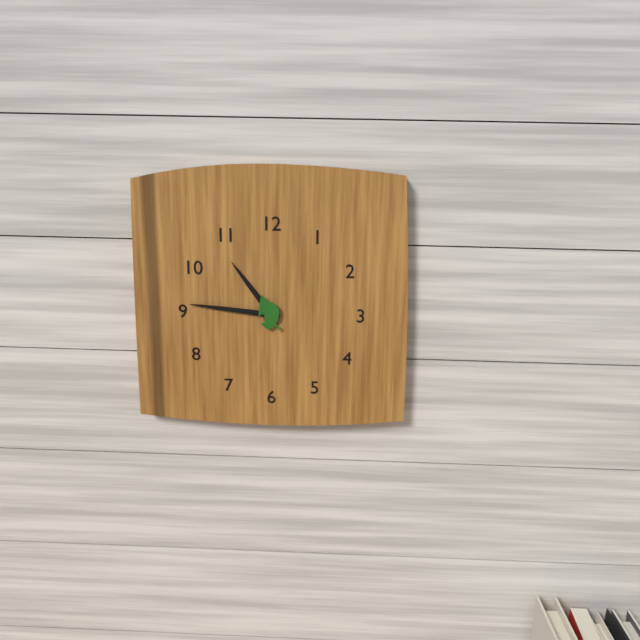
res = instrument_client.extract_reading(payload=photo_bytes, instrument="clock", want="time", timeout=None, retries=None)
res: 10:46
